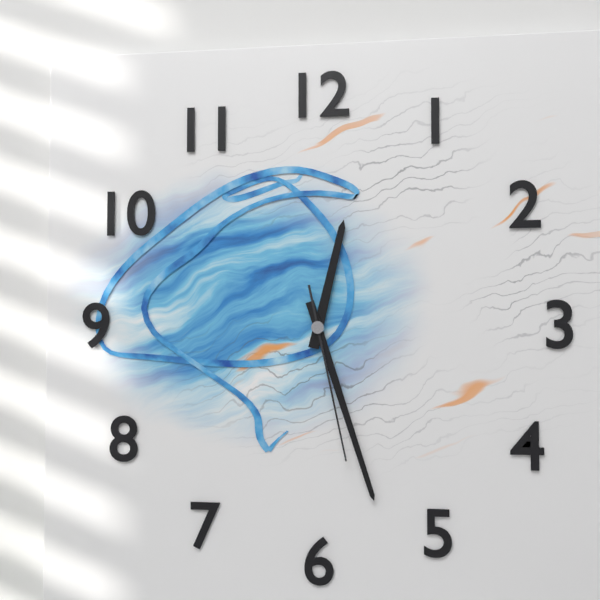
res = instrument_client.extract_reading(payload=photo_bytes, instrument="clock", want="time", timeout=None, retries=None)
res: 12:27:28
